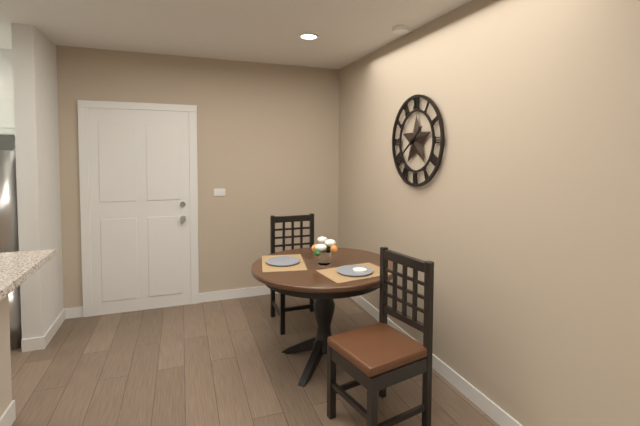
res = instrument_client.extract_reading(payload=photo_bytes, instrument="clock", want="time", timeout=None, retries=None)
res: 1:39
